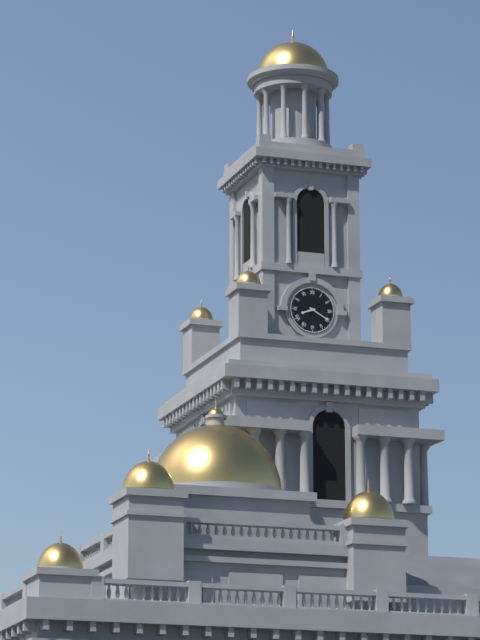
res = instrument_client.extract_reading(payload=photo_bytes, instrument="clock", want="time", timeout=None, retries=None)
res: 8:20
